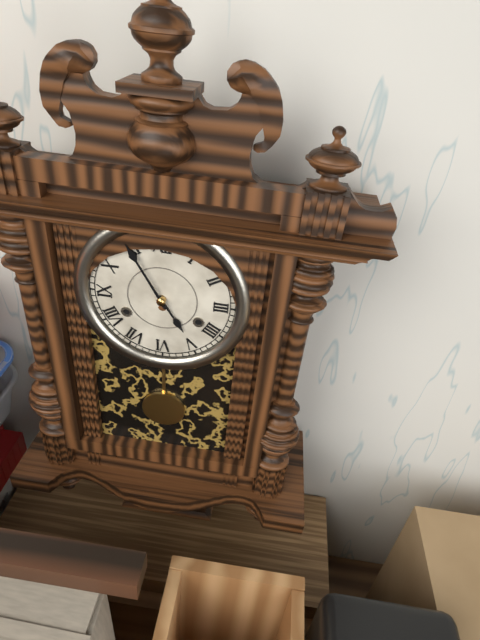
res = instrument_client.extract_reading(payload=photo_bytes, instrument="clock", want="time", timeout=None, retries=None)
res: 4:55
